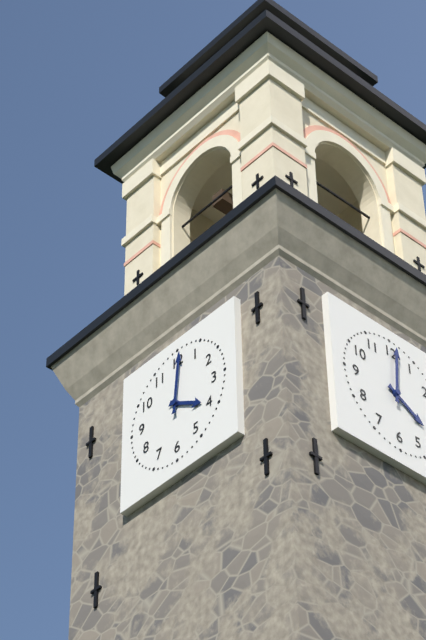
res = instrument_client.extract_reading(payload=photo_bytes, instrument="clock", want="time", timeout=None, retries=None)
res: 4:01
